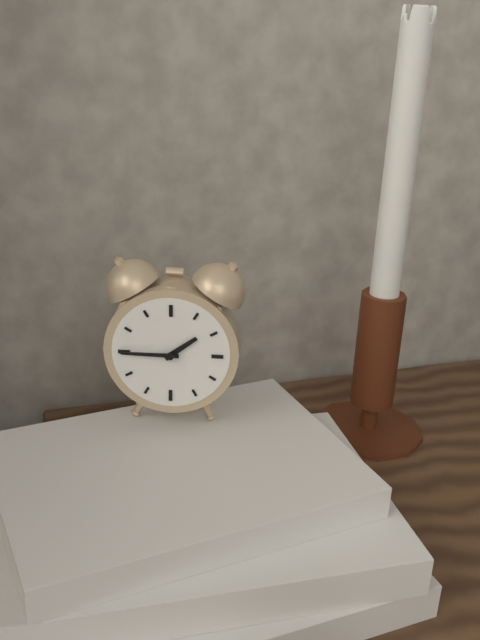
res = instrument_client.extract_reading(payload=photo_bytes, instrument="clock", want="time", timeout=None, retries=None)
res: 1:45
